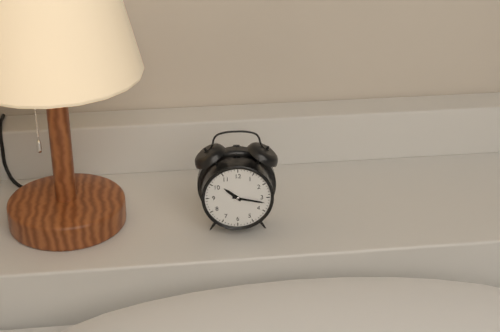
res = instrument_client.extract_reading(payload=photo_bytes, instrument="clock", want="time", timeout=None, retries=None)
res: 10:17
